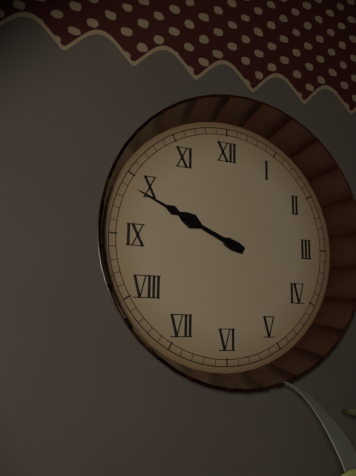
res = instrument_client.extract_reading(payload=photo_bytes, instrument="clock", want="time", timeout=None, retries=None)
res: 9:49
